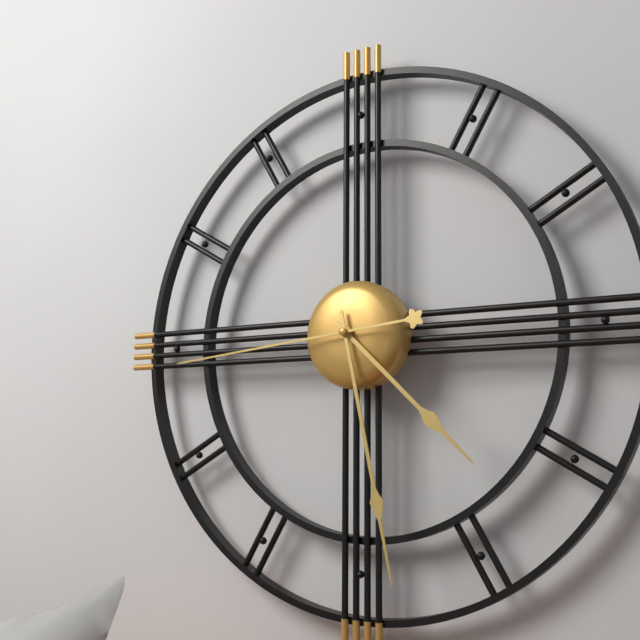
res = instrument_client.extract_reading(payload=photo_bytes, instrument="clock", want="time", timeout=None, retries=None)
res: 4:28:44
